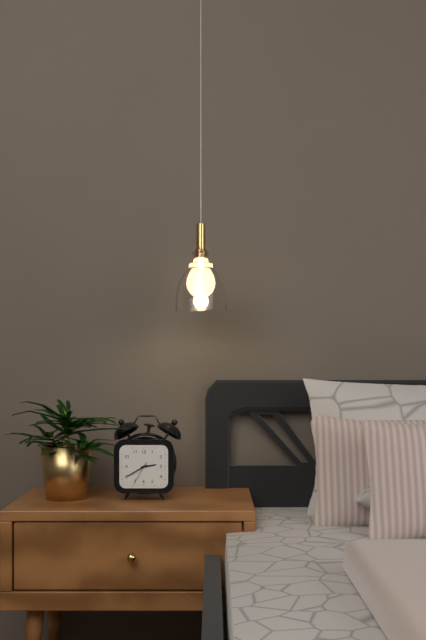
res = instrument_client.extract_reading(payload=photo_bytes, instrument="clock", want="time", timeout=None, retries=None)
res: 2:40
